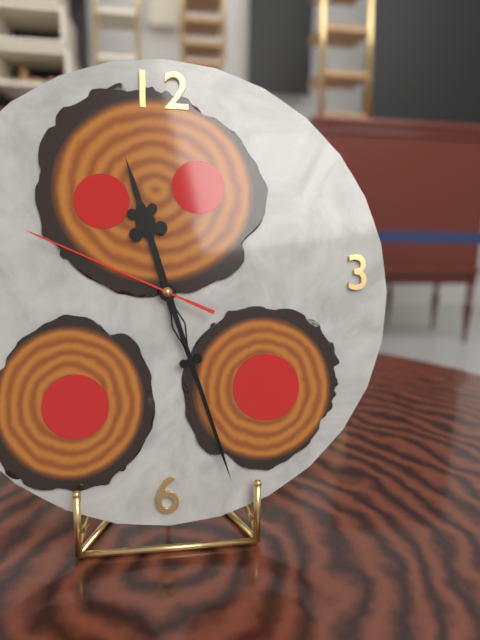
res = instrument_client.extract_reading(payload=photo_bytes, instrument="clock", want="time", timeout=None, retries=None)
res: 11:27:49
